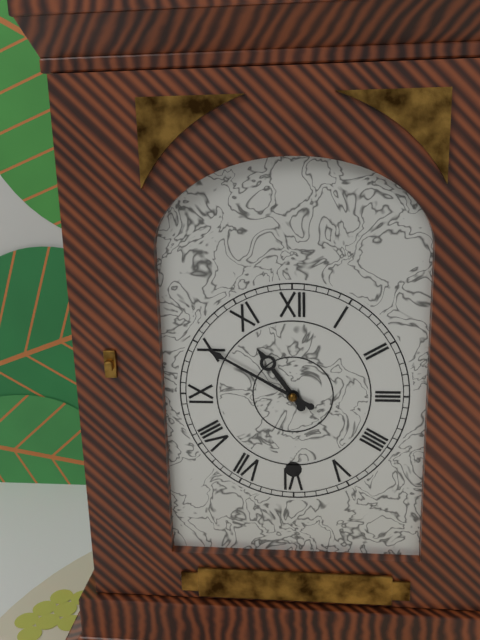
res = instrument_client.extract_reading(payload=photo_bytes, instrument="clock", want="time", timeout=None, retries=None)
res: 10:50
